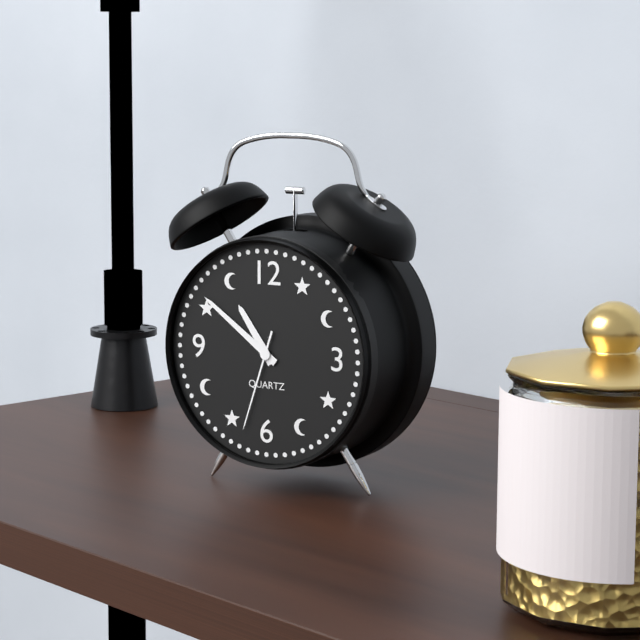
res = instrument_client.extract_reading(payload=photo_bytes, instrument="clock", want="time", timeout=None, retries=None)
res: 10:51:33
